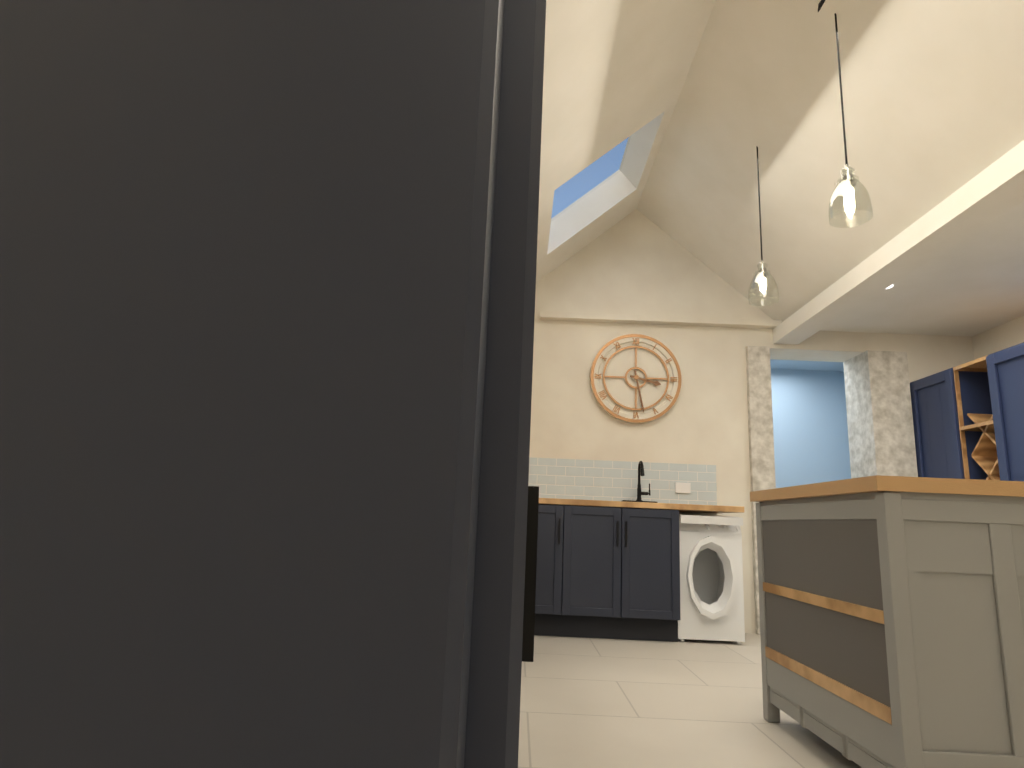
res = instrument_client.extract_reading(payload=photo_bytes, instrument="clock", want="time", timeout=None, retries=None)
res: 3:28
